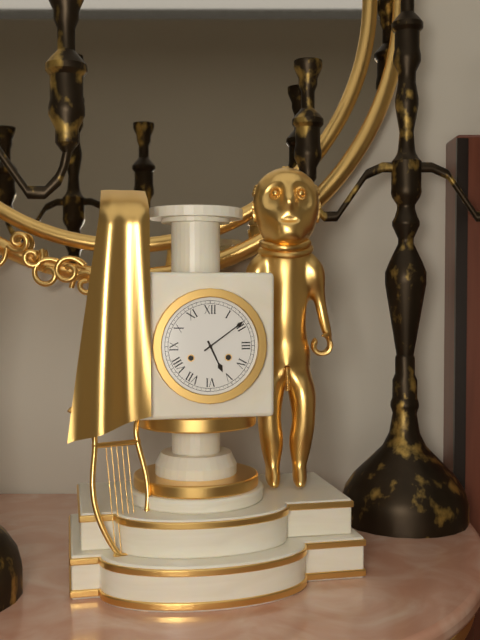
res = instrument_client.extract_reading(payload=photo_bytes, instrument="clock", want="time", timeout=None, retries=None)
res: 5:09
